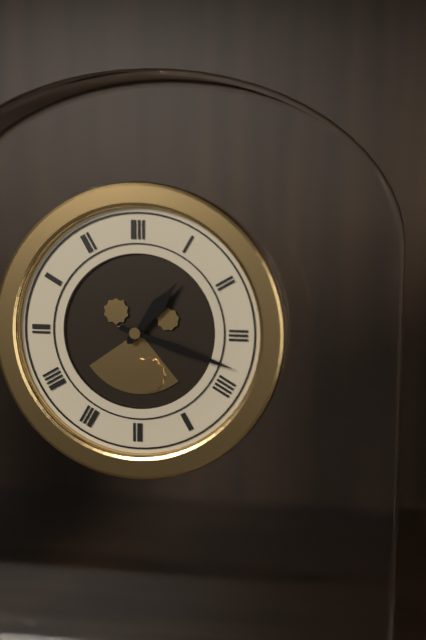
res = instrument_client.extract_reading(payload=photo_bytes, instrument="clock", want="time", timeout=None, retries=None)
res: 1:18
